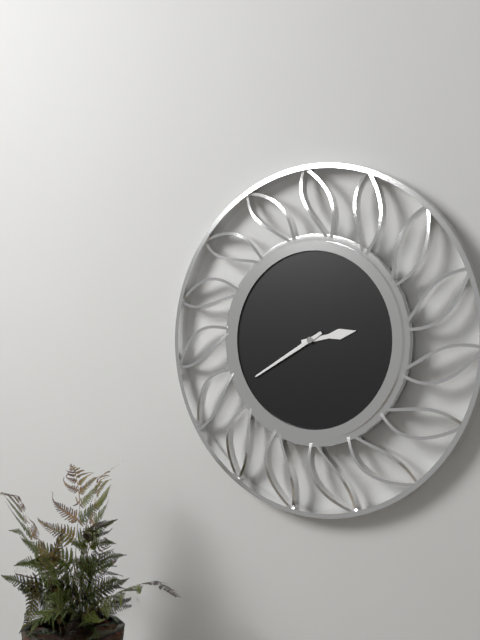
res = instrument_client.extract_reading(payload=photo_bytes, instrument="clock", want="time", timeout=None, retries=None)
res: 2:40
